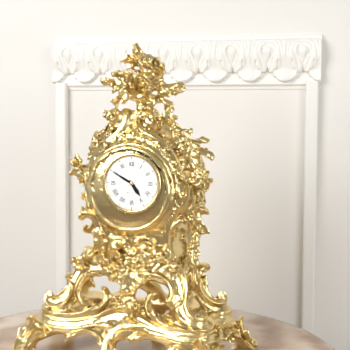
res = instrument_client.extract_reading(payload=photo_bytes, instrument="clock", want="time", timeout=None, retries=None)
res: 4:50
